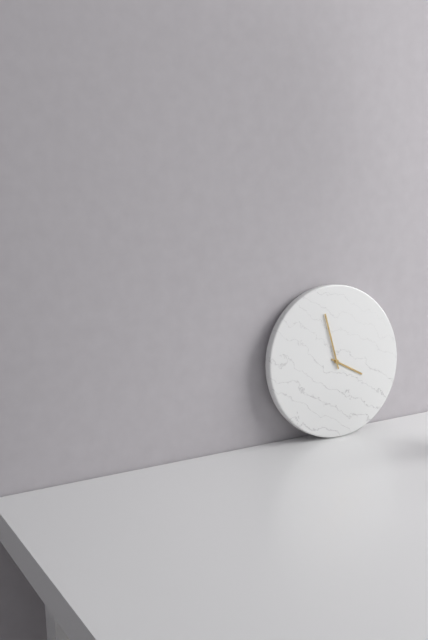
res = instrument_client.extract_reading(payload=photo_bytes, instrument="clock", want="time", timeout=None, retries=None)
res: 3:58
